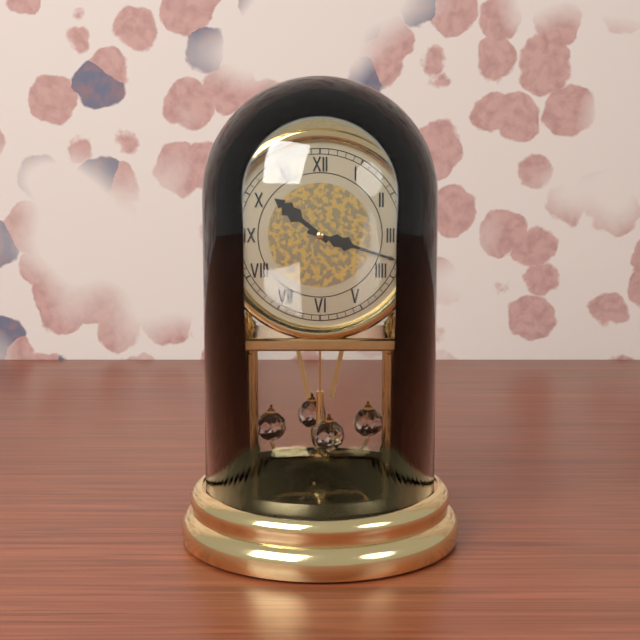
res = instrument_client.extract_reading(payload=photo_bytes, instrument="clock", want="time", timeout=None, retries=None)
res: 10:18
